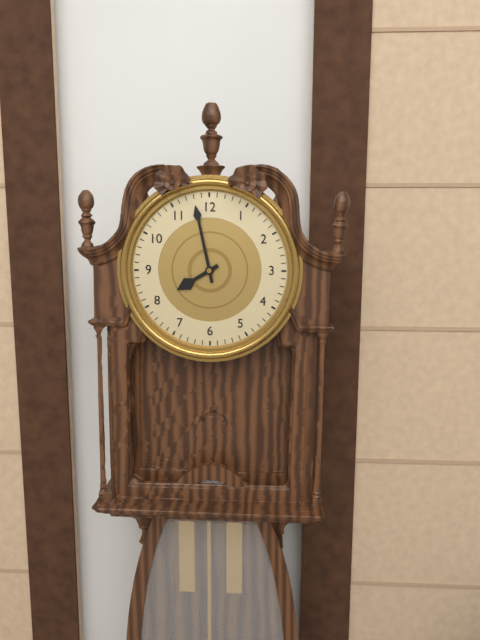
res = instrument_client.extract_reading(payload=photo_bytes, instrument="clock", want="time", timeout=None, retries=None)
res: 7:58
